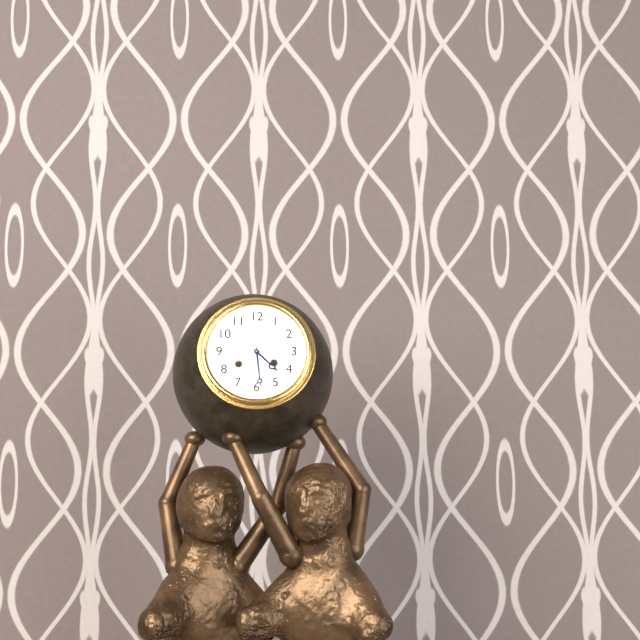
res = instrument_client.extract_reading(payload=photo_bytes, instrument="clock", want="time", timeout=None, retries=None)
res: 4:29
